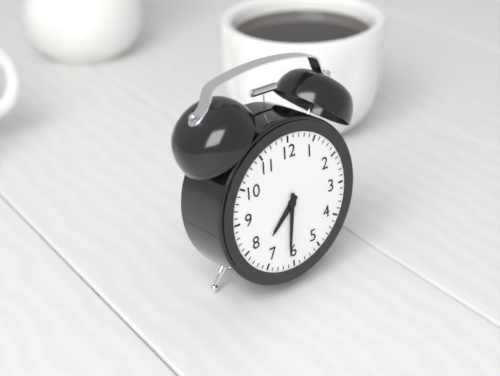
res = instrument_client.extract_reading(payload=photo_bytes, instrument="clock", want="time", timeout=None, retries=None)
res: 7:31
